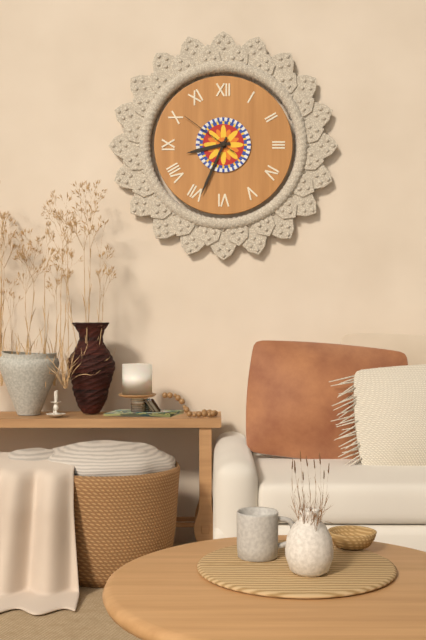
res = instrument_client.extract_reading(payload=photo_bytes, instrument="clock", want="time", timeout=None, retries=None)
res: 8:34:51
